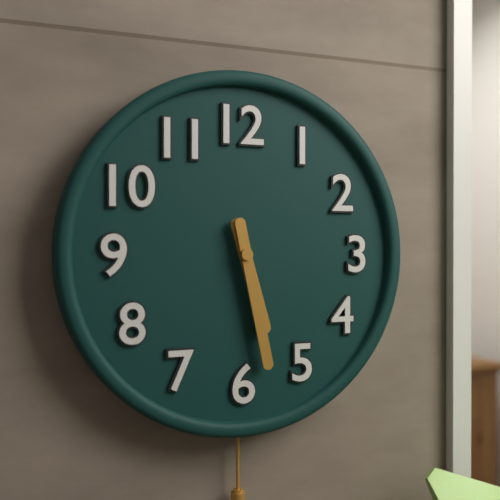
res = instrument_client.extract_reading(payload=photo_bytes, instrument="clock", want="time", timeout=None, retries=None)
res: 5:28
